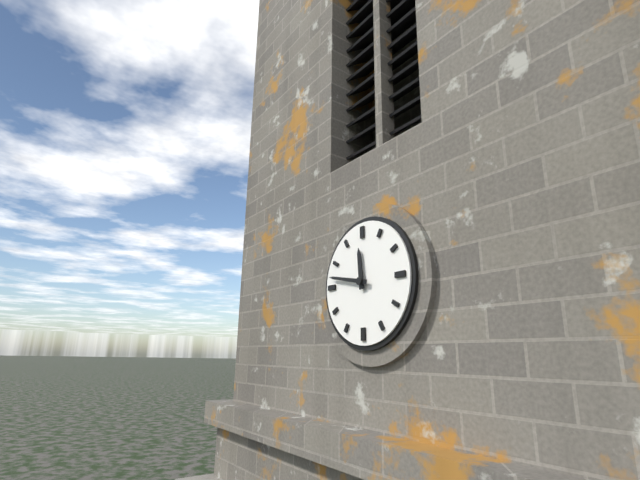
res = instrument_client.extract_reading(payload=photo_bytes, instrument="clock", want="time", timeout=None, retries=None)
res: 11:47
